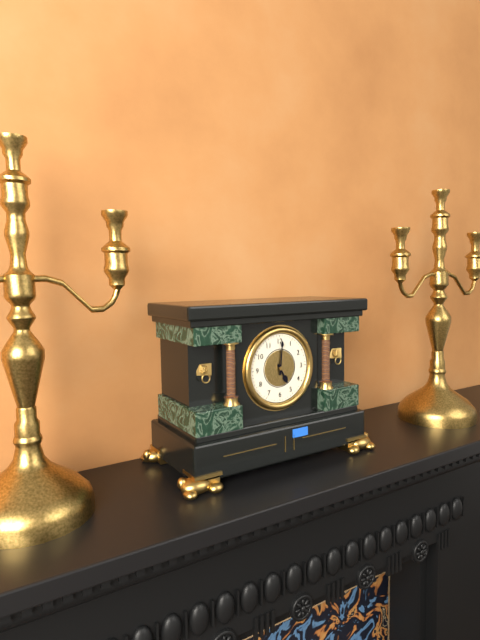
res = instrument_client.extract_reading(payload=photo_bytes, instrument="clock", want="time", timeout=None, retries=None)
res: 5:01
